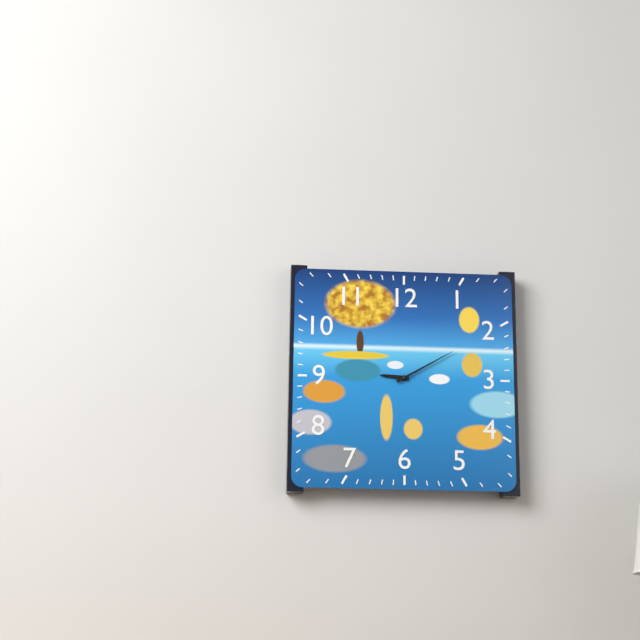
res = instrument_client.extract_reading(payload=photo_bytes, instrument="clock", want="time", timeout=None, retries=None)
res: 9:10
